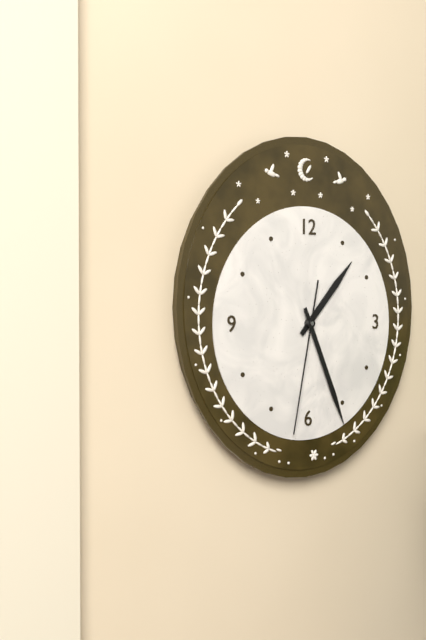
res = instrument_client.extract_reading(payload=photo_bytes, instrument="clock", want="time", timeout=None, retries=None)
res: 1:26:32
